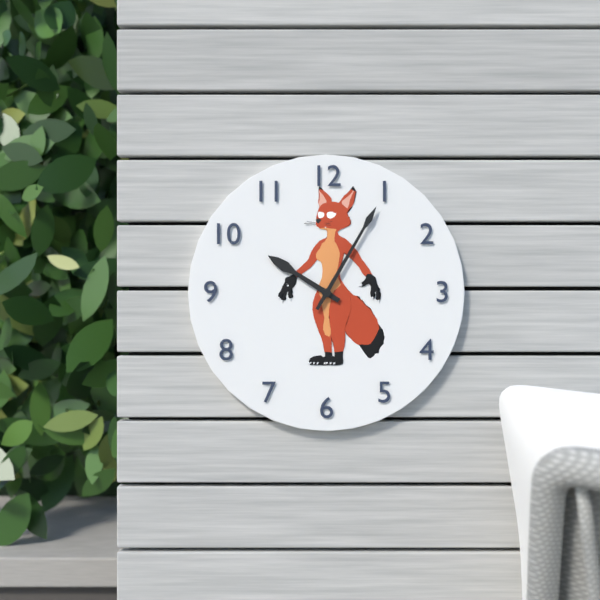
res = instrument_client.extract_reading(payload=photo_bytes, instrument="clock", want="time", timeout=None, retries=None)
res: 10:05
